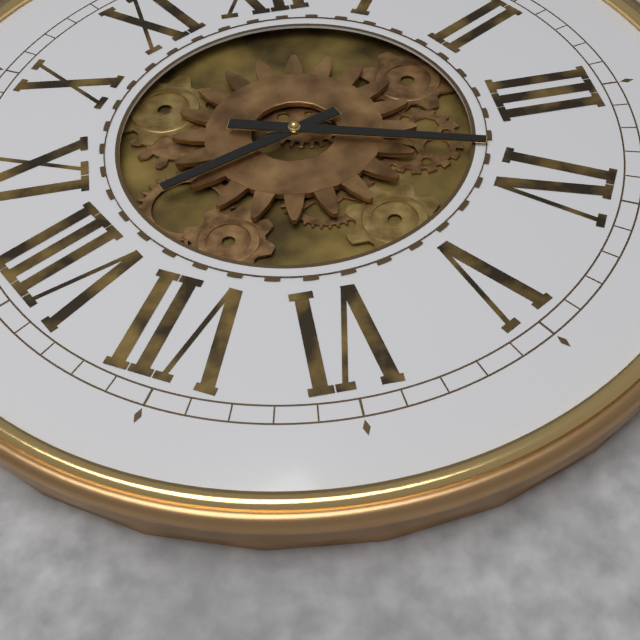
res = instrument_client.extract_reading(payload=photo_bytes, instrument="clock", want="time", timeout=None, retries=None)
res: 8:18
